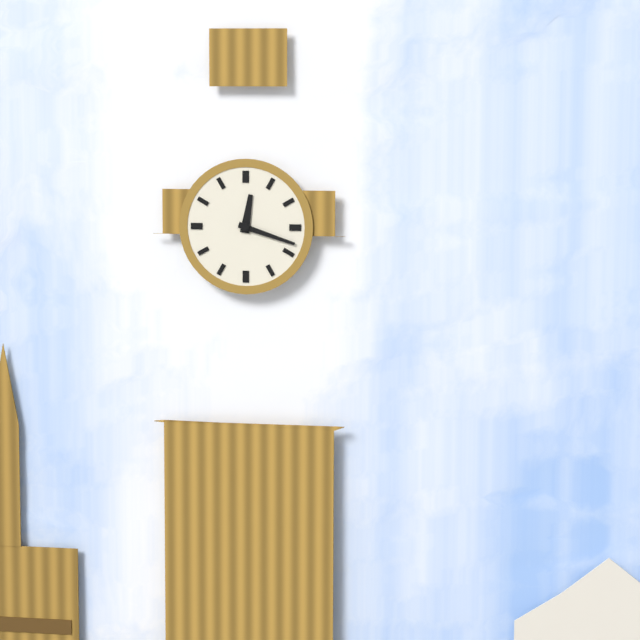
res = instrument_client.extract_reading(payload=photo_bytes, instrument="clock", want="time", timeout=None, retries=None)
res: 12:18
